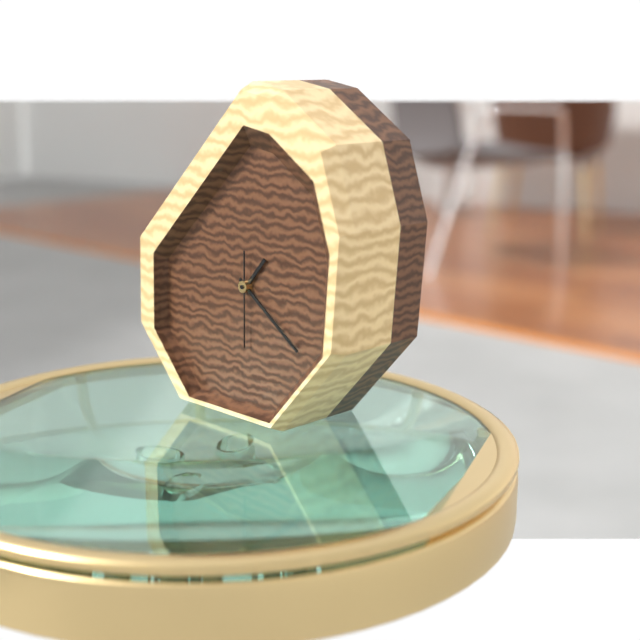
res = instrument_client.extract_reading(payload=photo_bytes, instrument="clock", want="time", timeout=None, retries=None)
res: 1:21:30
